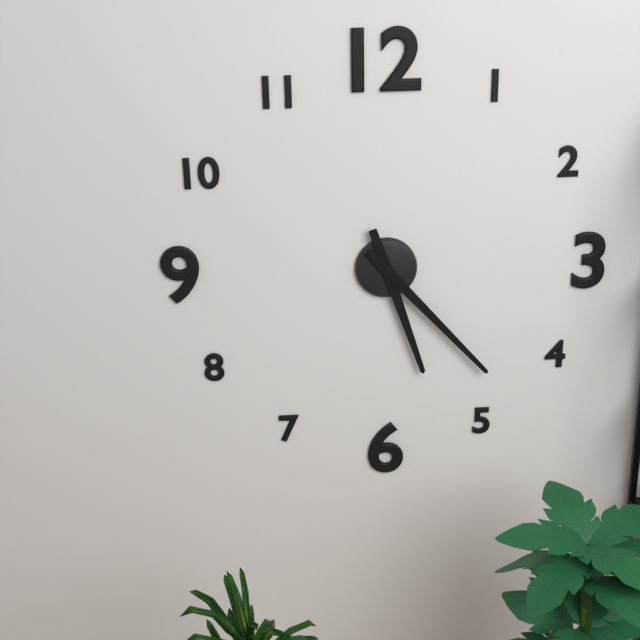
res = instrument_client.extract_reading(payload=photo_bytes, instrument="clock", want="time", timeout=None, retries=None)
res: 5:23
